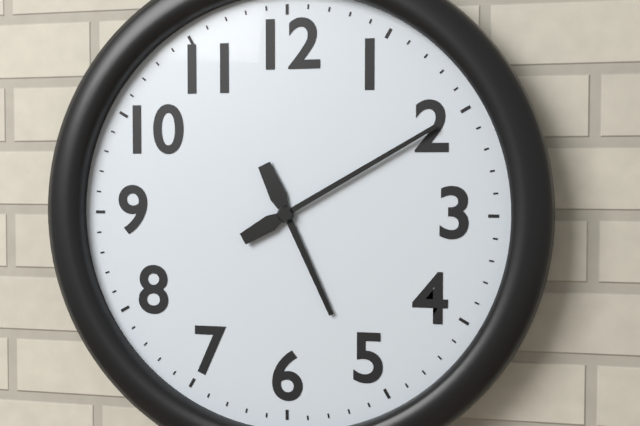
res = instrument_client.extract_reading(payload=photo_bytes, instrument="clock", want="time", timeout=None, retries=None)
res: 5:10
